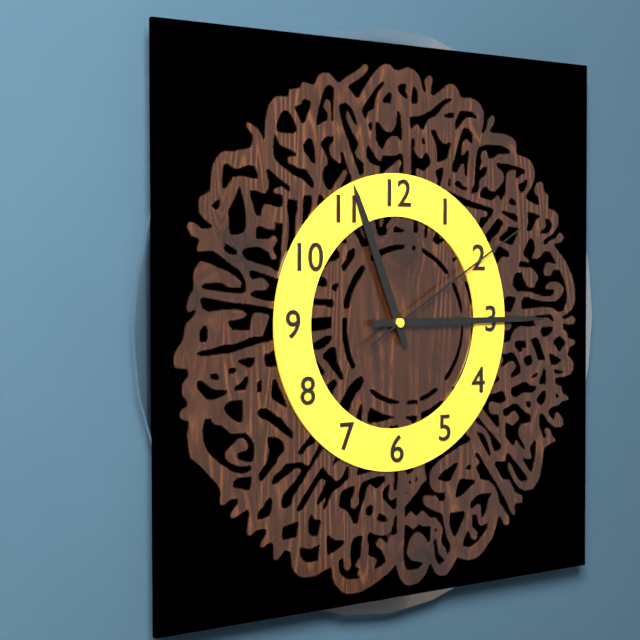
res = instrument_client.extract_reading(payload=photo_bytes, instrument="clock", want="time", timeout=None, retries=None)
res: 11:15:10
